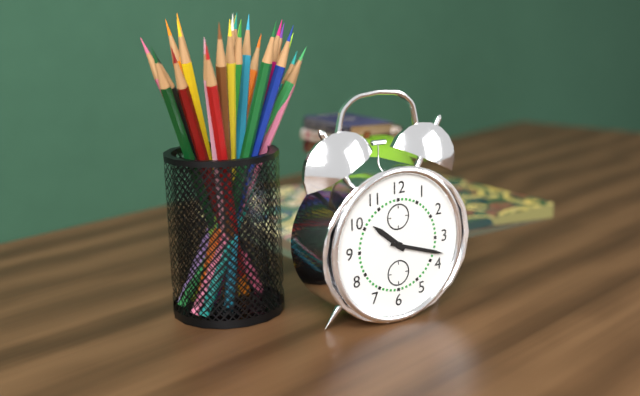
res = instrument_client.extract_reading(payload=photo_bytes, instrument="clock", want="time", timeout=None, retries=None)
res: 10:18
